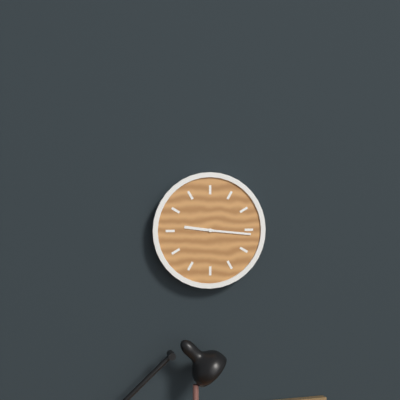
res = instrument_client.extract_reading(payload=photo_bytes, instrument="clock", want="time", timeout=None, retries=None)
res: 9:16
